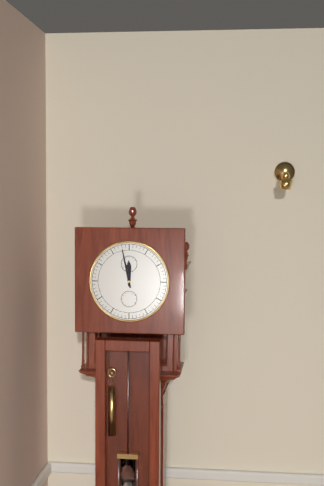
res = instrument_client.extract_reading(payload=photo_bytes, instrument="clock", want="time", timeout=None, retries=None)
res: 11:58
